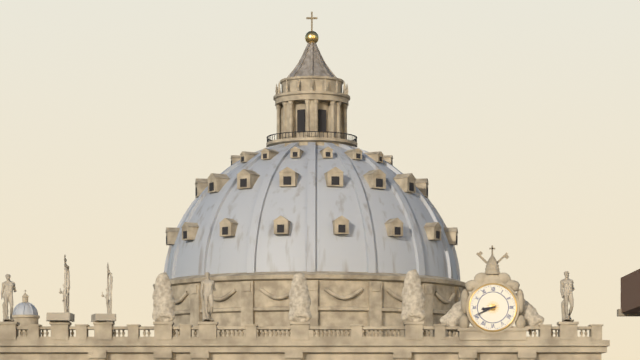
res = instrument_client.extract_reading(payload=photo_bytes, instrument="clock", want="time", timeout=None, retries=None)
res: 8:41
